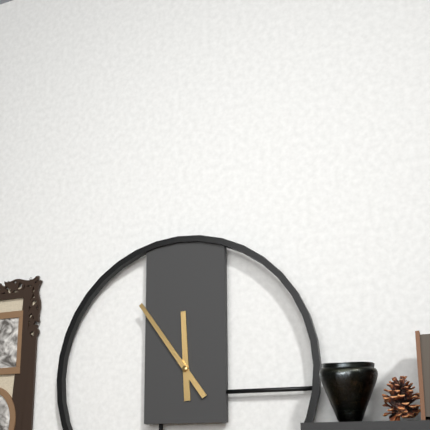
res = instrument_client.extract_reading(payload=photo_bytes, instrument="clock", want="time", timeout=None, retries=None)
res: 11:54
